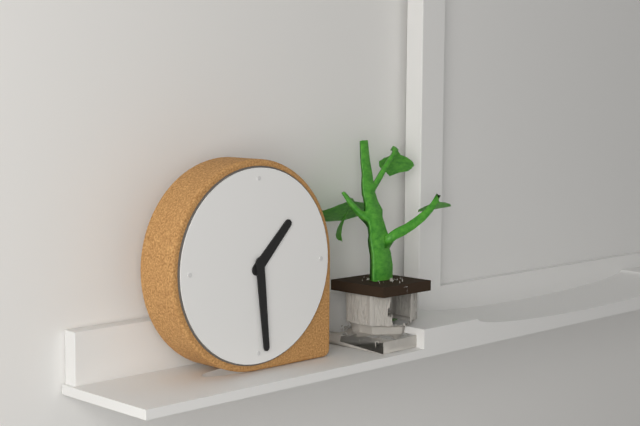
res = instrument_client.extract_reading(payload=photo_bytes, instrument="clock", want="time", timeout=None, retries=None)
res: 1:29
